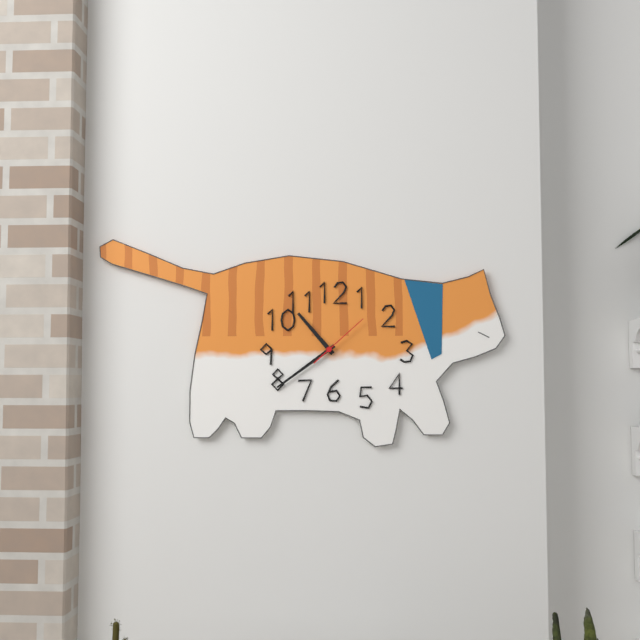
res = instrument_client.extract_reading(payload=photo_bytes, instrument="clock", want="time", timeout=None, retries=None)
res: 10:39:08
